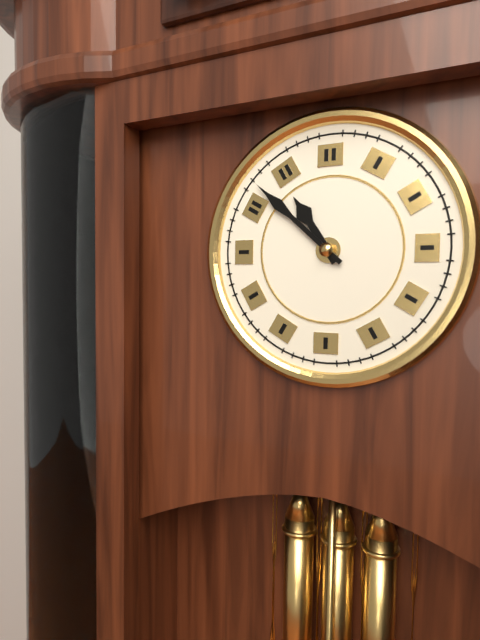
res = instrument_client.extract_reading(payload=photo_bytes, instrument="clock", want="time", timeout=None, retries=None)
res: 10:52
